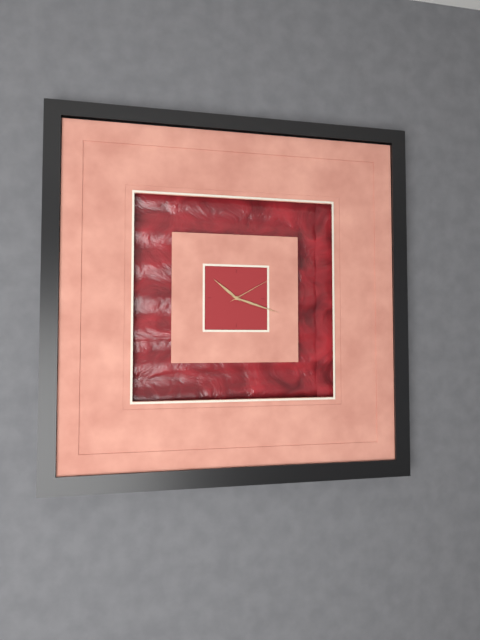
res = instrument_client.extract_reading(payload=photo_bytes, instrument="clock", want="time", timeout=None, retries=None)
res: 10:18:10
